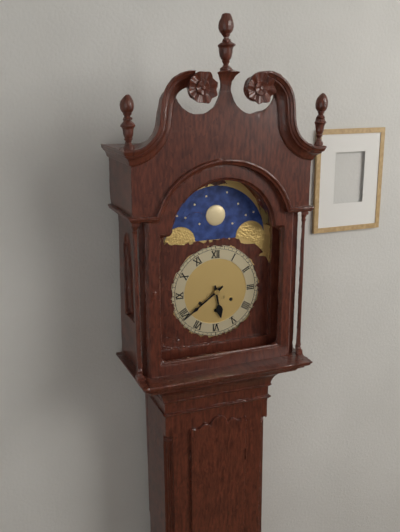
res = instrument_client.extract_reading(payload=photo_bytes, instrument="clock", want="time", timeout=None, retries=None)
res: 5:39
